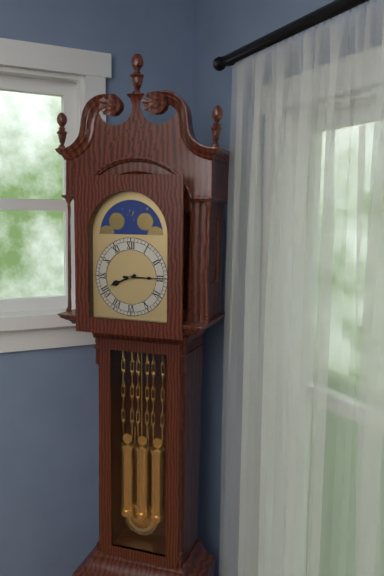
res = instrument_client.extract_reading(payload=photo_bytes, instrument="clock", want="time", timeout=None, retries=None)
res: 8:15
